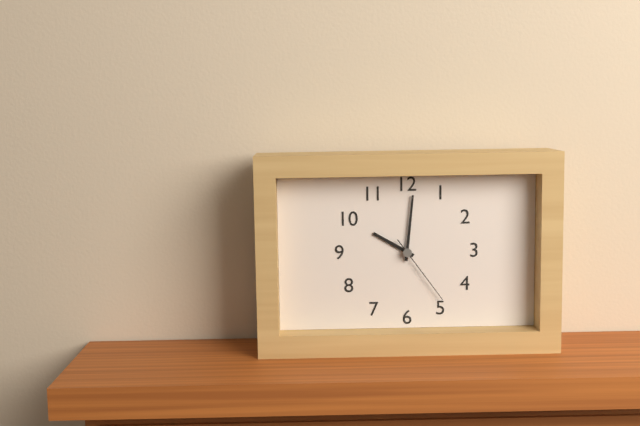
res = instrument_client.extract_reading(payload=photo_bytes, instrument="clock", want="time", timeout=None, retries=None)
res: 10:01:24
